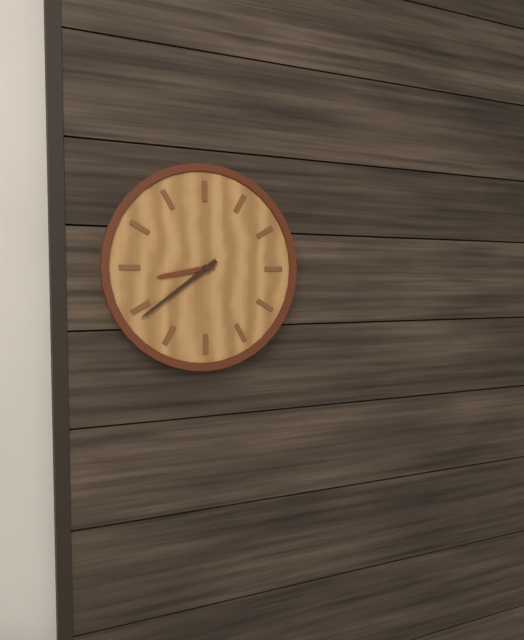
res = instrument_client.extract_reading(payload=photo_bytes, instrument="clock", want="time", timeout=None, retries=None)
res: 8:39
